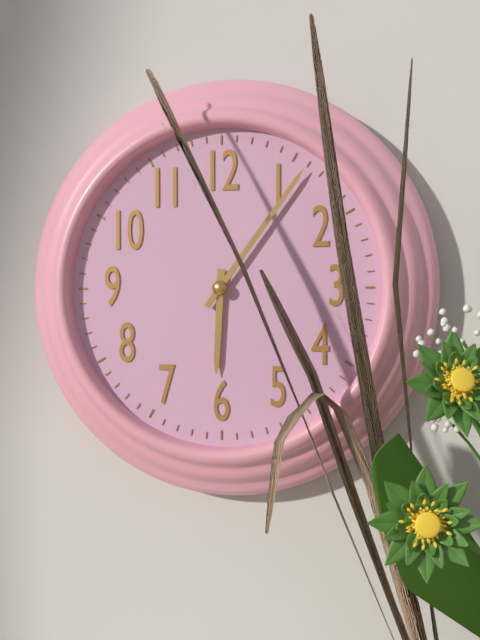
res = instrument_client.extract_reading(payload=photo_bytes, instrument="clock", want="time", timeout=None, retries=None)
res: 6:06
